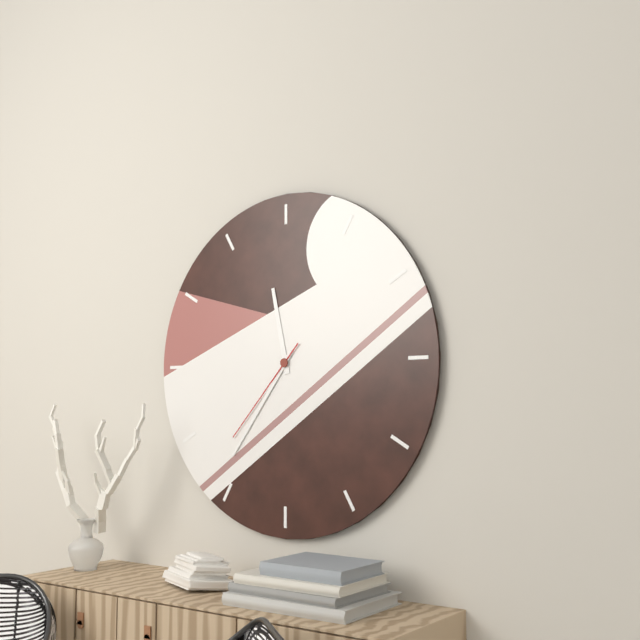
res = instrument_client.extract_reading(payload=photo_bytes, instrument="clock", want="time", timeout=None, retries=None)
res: 11:36:37
